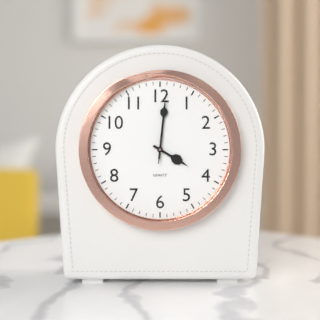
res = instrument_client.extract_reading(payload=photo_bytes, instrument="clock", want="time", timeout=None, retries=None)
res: 4:01:01
